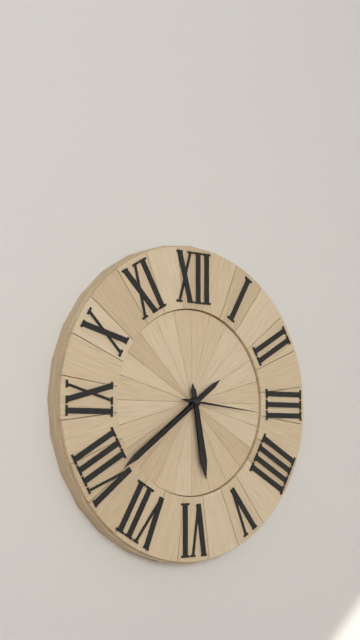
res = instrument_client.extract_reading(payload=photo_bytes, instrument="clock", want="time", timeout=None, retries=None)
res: 5:39:16
